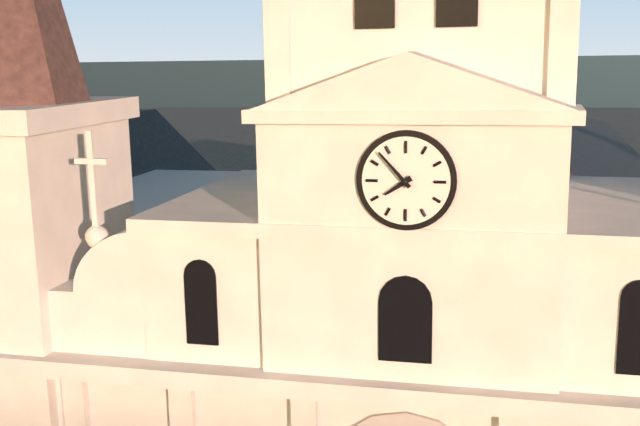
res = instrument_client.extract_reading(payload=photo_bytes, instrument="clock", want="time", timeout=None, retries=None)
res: 7:53
